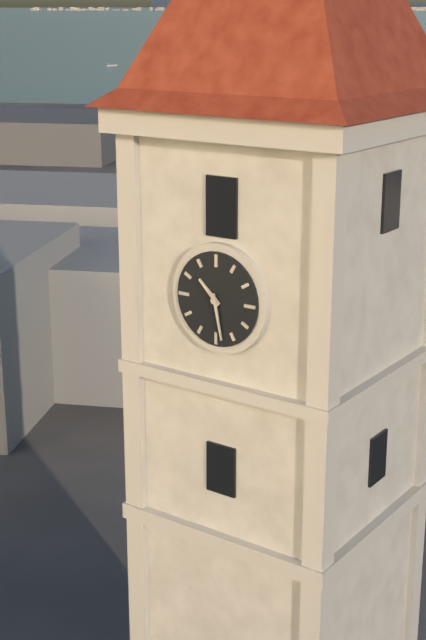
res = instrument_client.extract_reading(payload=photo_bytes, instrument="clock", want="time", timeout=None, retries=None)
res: 10:28
